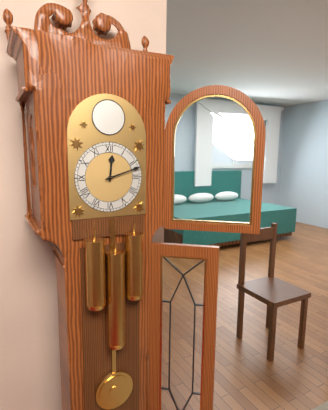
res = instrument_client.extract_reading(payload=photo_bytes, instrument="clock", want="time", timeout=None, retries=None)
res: 12:12
